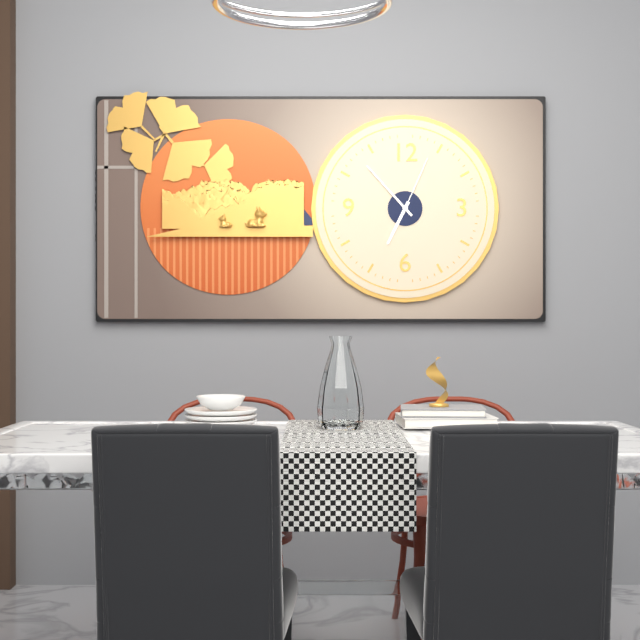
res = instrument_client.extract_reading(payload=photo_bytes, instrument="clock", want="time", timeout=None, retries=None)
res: 6:53:04
